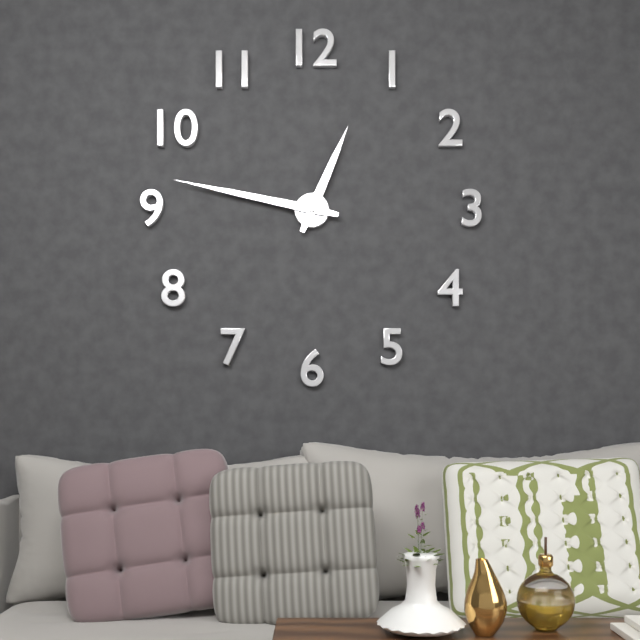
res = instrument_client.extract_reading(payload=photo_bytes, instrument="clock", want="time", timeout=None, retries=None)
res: 12:47
